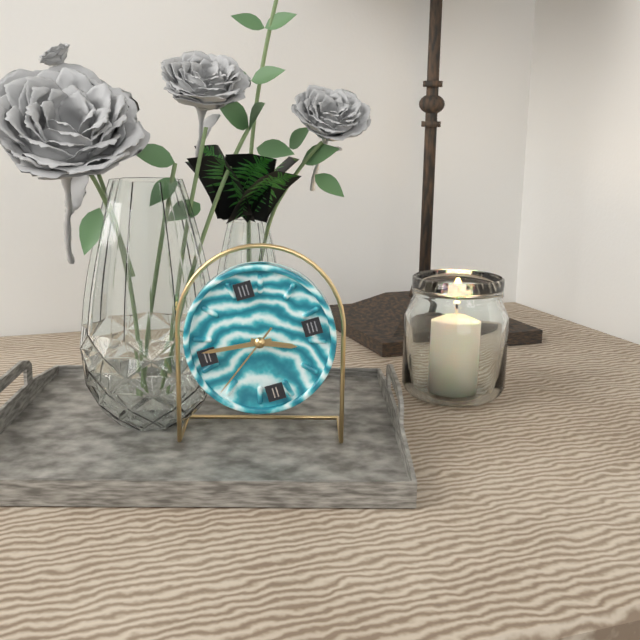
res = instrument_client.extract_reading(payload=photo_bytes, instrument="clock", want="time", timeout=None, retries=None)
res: 3:46:39
